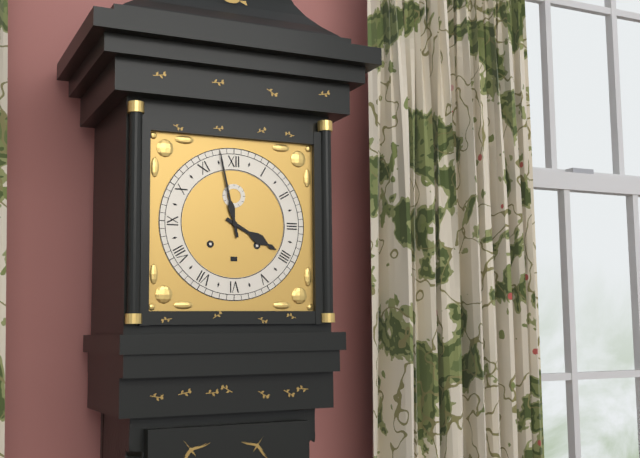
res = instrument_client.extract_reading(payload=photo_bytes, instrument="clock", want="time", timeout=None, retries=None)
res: 3:58
